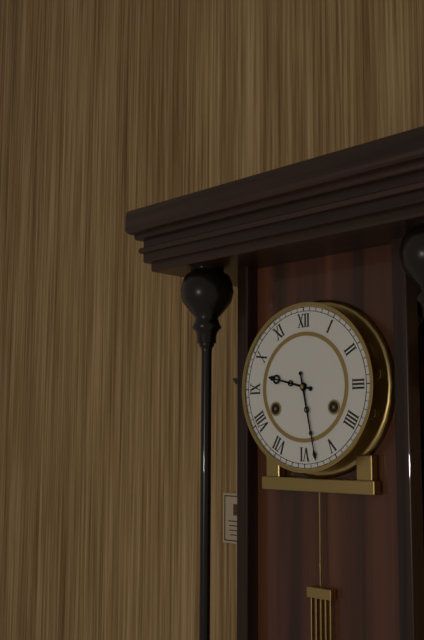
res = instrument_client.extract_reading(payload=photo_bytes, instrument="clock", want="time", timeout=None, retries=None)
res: 9:28
